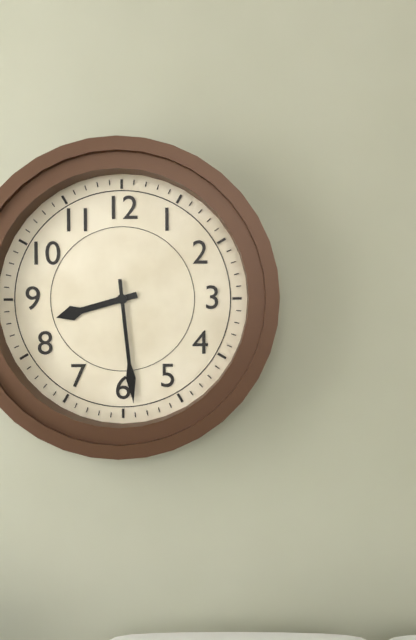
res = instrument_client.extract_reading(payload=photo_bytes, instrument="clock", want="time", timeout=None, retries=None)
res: 8:29
